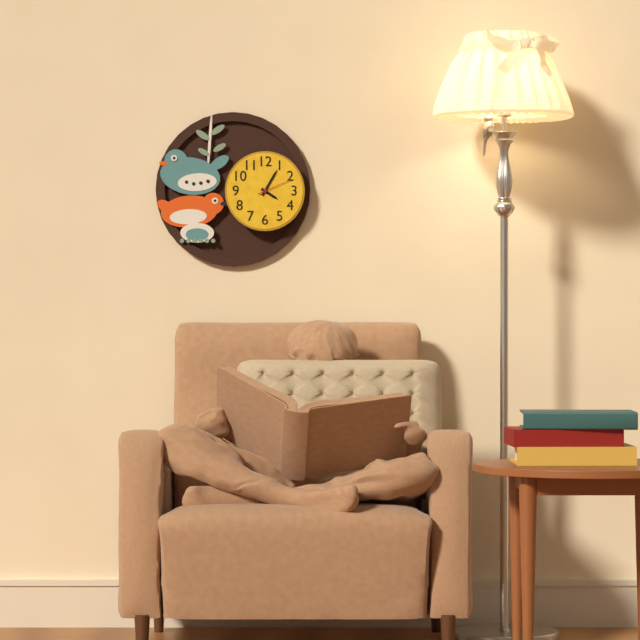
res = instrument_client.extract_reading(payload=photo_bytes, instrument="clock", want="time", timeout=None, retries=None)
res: 4:05
